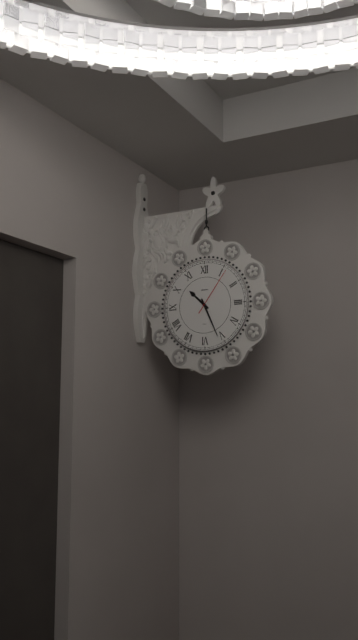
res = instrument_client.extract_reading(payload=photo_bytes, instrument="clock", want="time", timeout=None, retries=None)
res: 10:26:06
